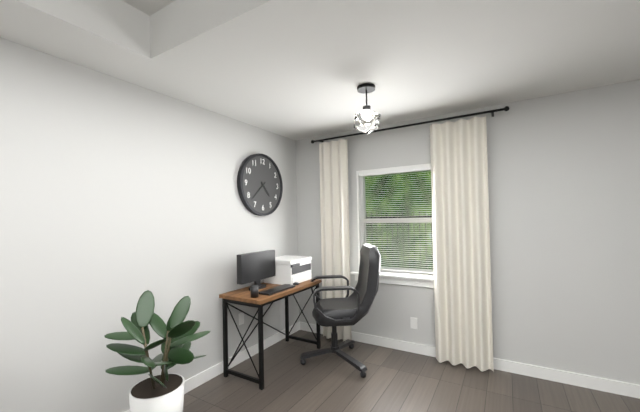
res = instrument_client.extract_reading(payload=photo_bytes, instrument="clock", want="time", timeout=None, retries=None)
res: 4:38
